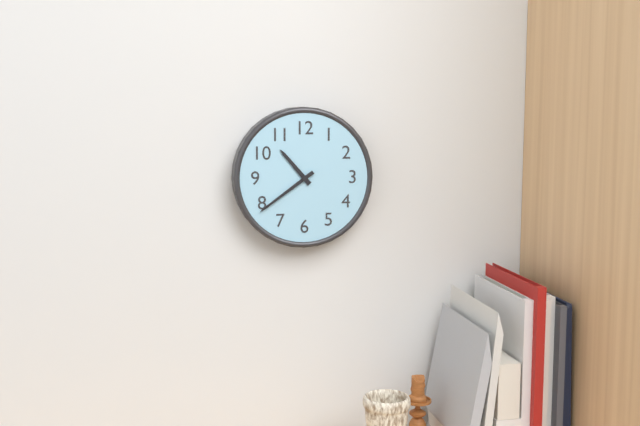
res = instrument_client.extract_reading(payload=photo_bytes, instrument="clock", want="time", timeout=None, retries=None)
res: 10:39
